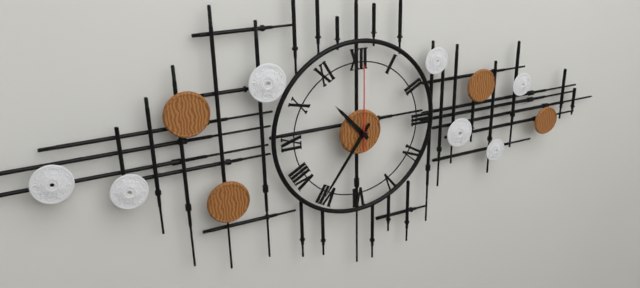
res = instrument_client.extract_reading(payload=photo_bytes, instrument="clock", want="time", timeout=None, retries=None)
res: 10:36:00
